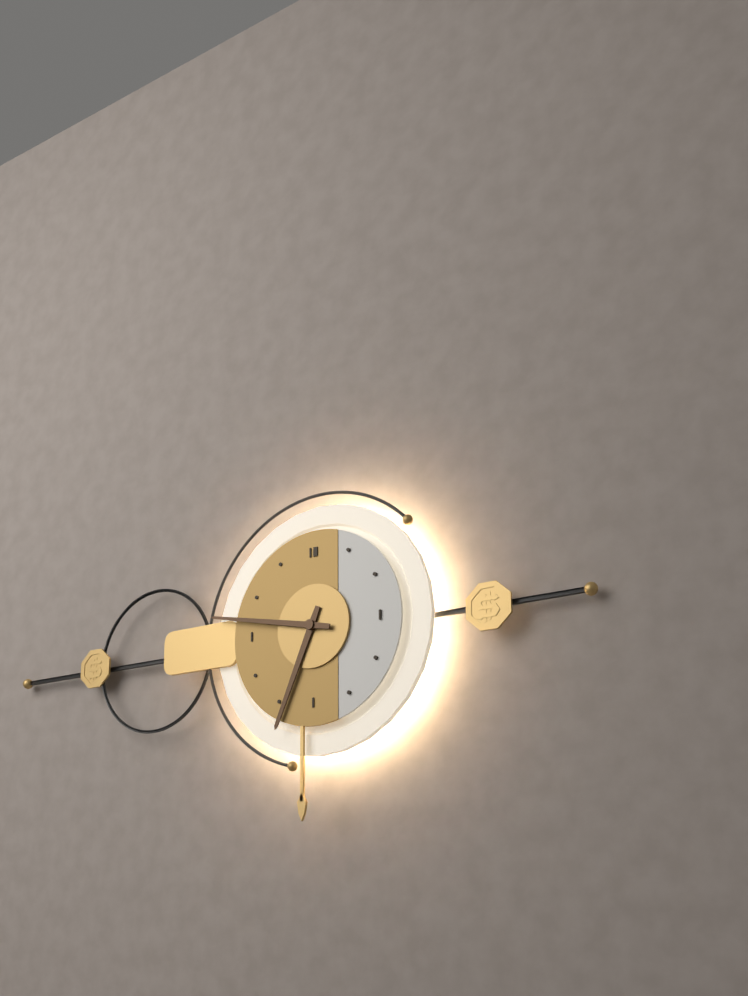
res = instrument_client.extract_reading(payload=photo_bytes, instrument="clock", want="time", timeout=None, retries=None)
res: 6:47
